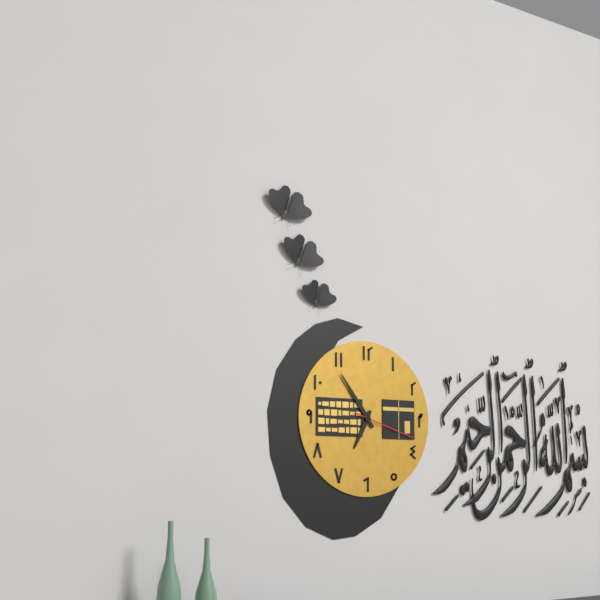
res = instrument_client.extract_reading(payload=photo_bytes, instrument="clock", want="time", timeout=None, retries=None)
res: 6:54:18
